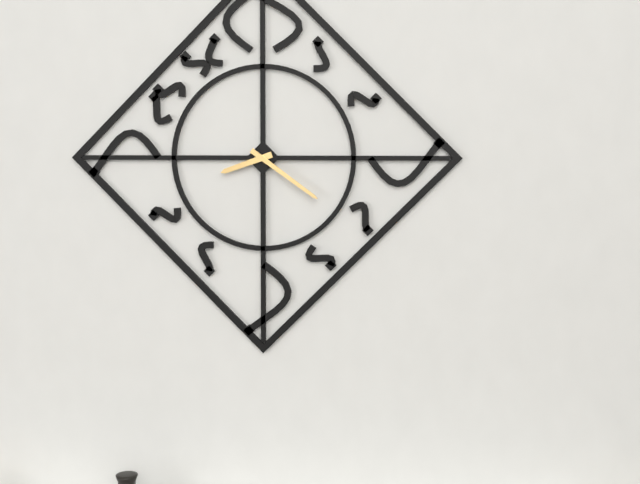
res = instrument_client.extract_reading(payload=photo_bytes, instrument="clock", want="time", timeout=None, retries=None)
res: 8:21
